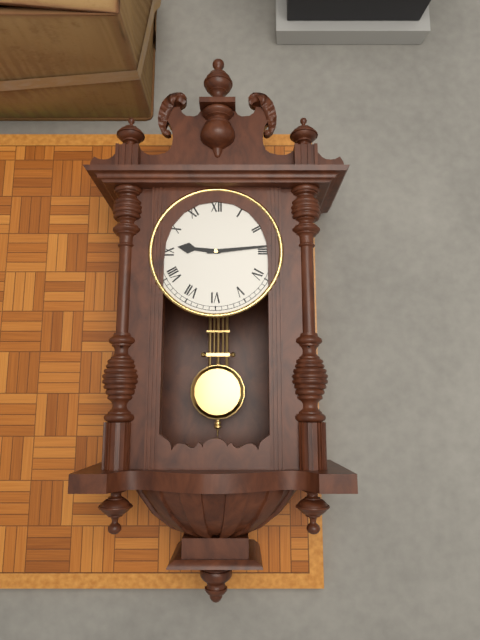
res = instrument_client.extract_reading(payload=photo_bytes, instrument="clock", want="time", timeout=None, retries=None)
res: 9:14
